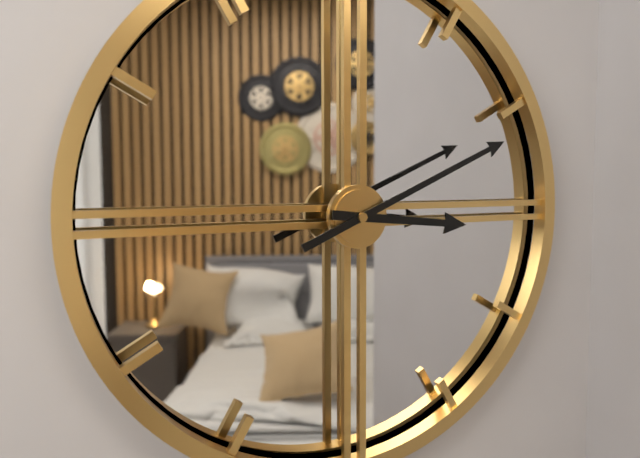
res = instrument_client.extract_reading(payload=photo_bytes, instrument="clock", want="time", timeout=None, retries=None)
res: 3:11
